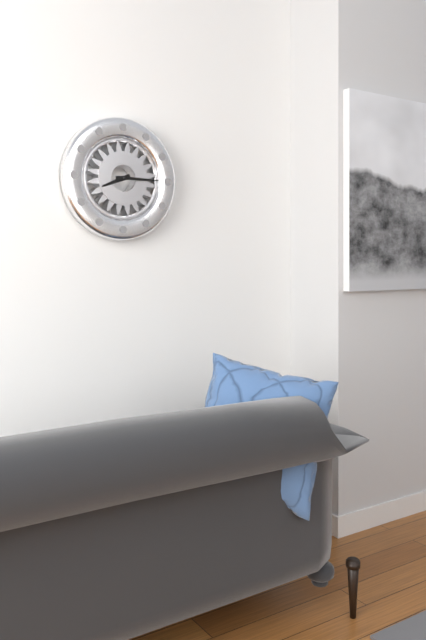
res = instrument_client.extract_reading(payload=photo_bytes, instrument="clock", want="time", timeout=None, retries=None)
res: 8:15
